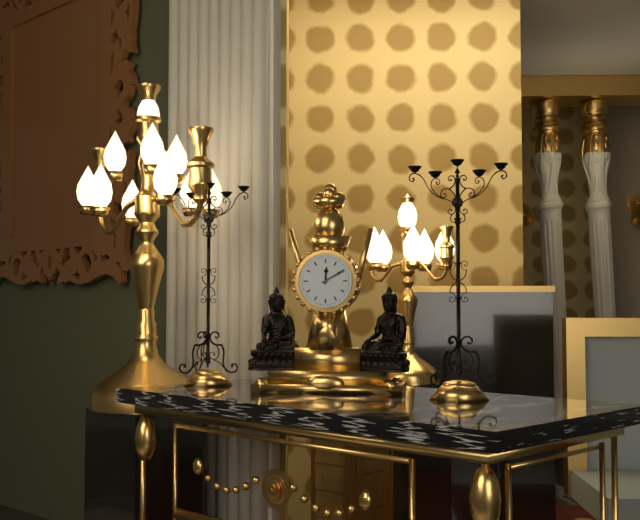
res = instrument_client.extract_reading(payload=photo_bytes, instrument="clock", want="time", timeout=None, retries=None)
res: 12:10
